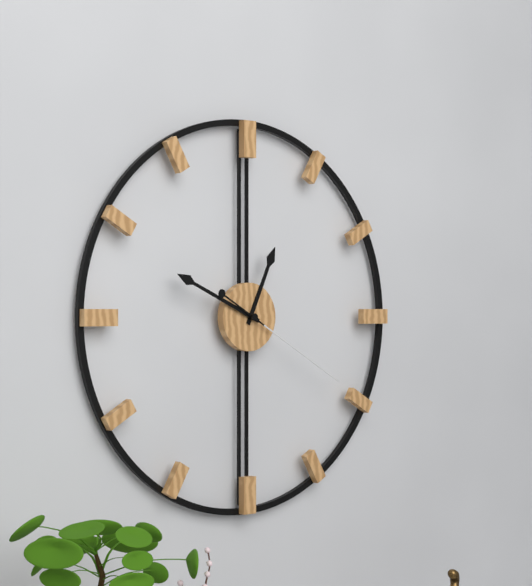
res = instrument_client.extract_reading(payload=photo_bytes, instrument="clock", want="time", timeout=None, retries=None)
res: 12:49:20
